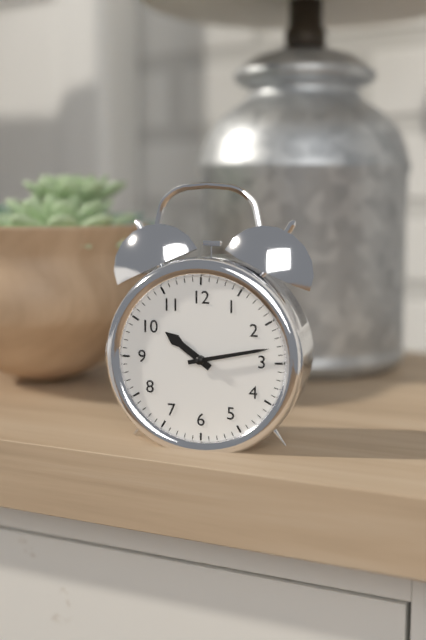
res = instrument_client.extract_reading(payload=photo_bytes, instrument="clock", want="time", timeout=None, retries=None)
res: 10:13
